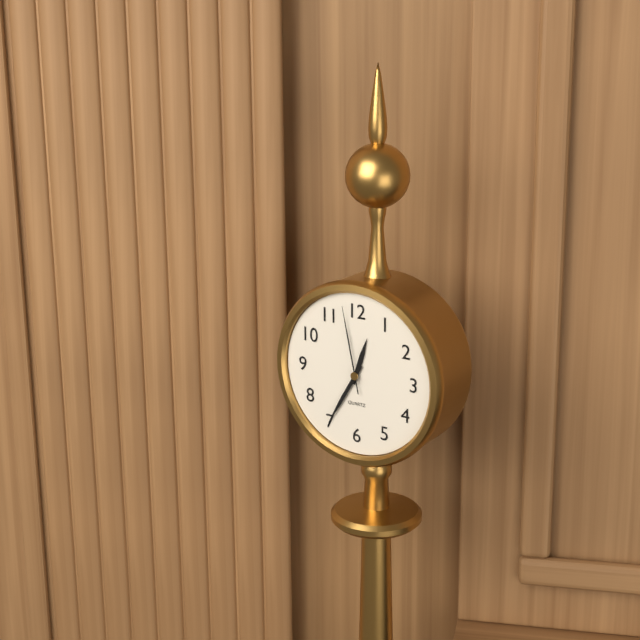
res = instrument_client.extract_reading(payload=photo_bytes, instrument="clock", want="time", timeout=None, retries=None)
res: 12:35:58
